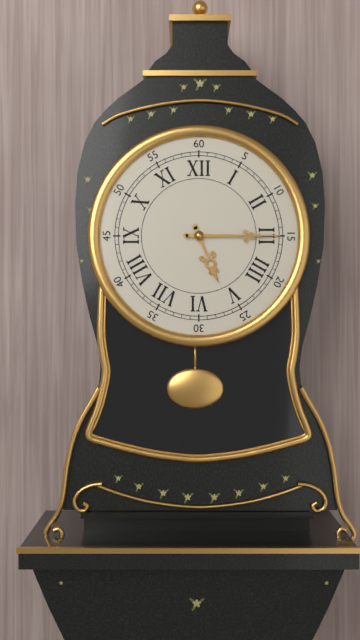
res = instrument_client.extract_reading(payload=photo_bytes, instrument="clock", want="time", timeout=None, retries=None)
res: 5:15
